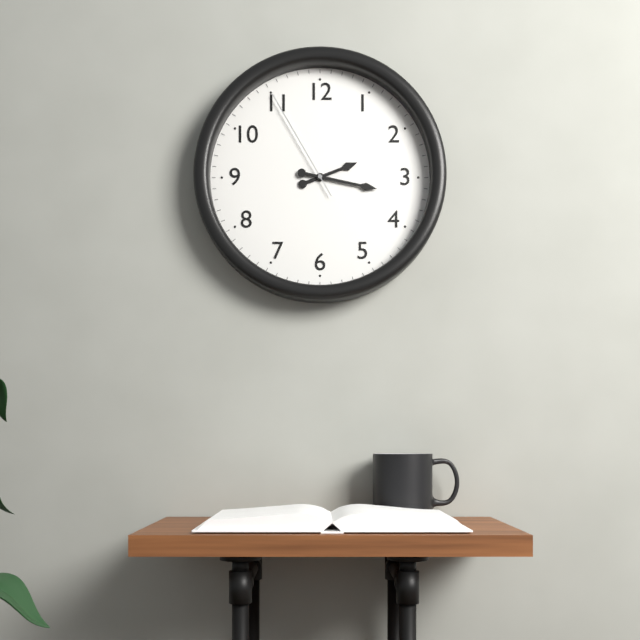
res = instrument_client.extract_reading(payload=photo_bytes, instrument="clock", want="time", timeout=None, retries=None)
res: 2:17:55
